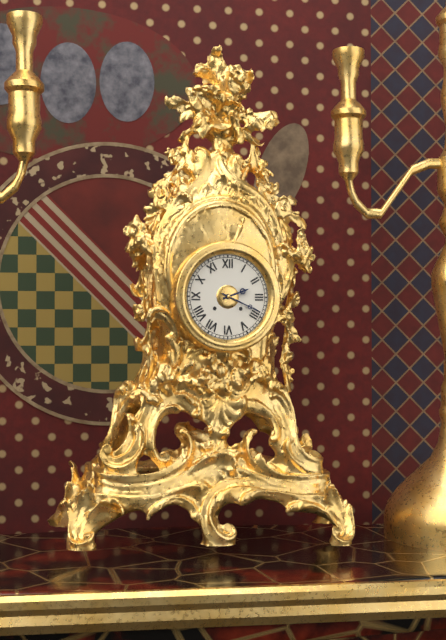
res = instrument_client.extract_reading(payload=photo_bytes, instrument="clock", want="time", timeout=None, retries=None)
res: 2:19
